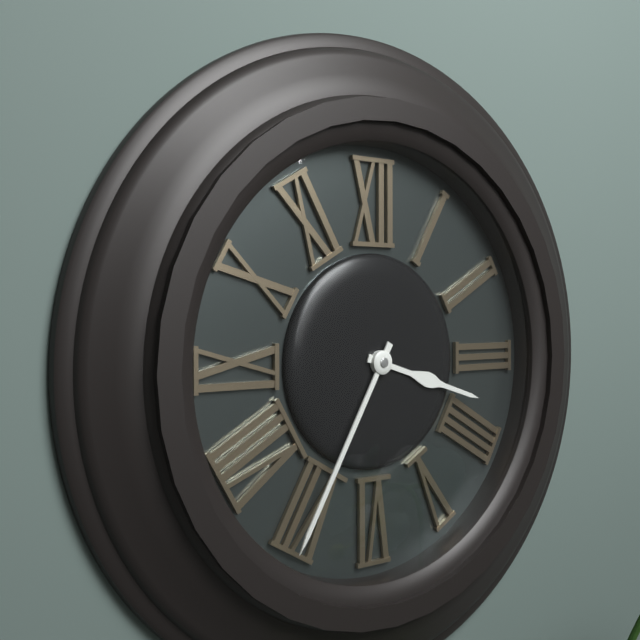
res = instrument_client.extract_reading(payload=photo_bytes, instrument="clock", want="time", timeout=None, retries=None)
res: 3:35
